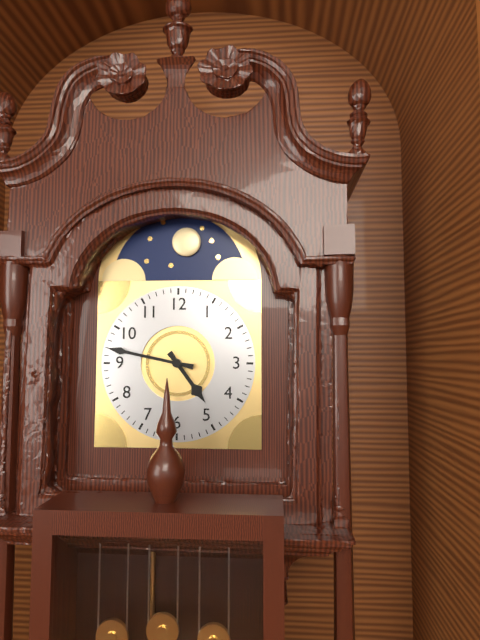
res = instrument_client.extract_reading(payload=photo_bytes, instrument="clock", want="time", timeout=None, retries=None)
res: 4:47
